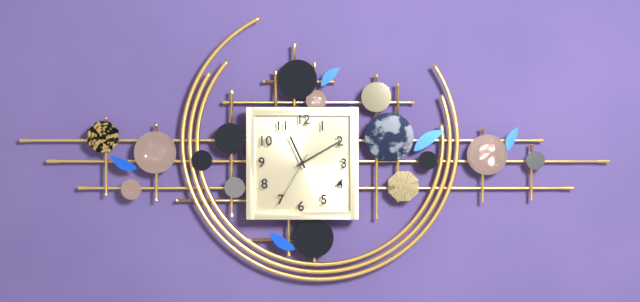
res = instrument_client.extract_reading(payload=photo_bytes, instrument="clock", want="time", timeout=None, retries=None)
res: 11:10:35
